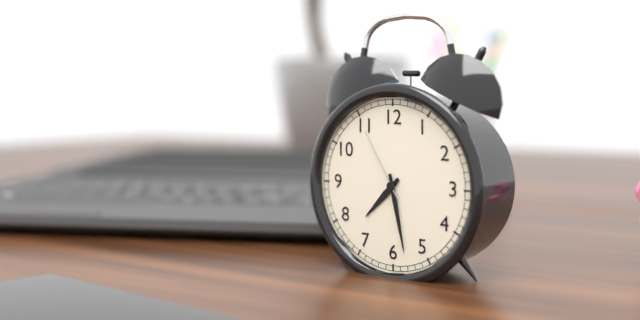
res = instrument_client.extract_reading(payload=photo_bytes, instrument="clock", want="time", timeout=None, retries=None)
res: 7:28:55
